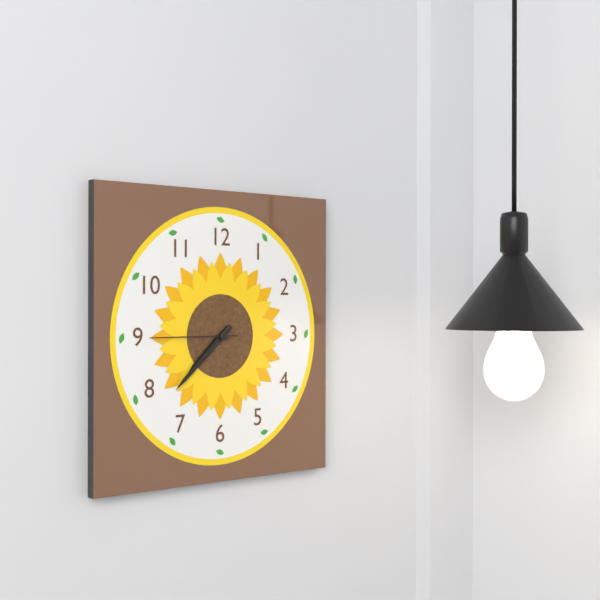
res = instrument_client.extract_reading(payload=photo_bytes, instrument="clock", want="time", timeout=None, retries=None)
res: 7:38:45
